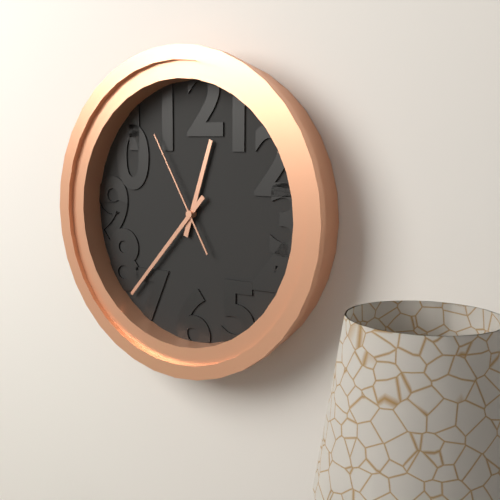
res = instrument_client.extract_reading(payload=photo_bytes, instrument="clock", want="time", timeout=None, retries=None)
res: 12:37:55
